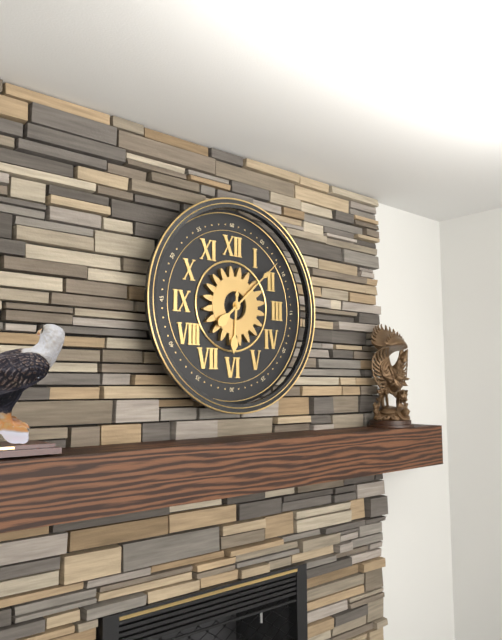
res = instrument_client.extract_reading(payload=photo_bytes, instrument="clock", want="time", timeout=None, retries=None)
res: 6:08
